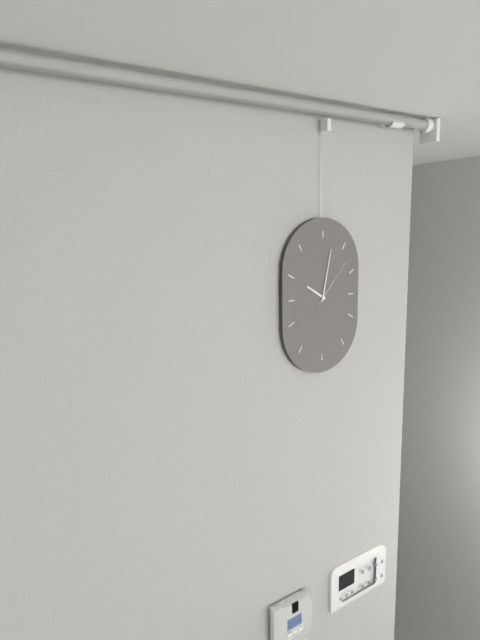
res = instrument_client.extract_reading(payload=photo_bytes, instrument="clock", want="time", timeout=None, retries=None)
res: 10:02:07
